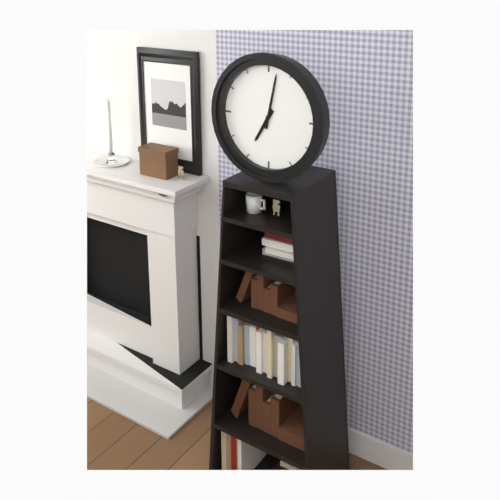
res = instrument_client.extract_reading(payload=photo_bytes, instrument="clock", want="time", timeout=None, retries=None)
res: 7:02
